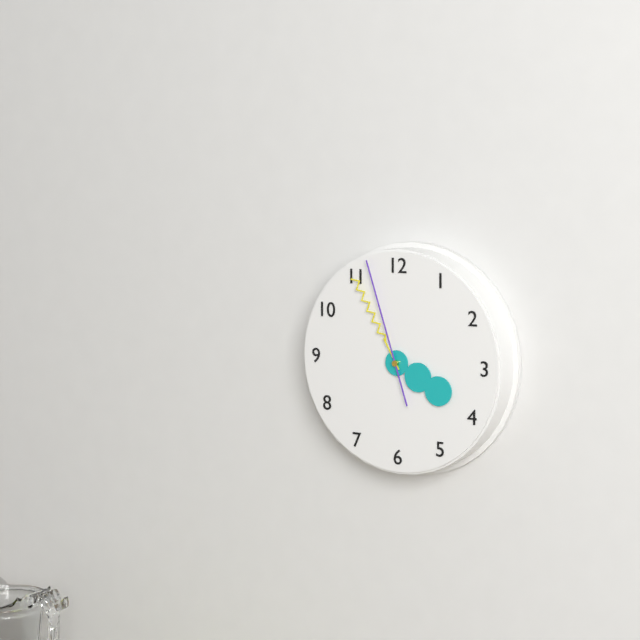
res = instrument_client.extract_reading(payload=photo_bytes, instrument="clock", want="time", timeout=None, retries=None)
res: 3:55:57
